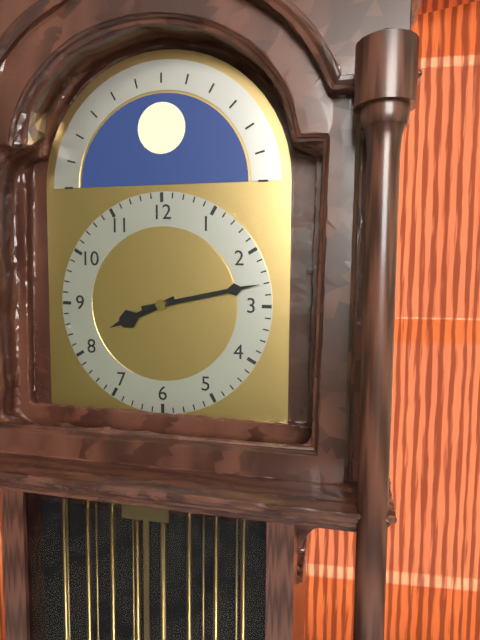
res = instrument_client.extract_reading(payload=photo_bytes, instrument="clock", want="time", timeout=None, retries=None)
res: 8:13
